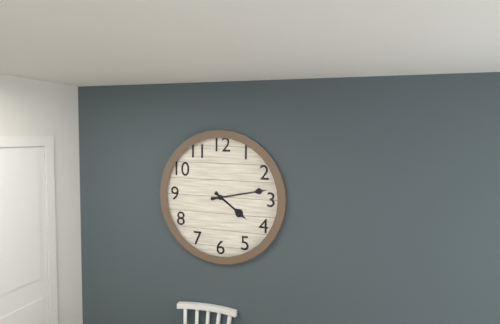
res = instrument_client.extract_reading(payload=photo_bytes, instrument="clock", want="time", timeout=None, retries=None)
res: 4:13
